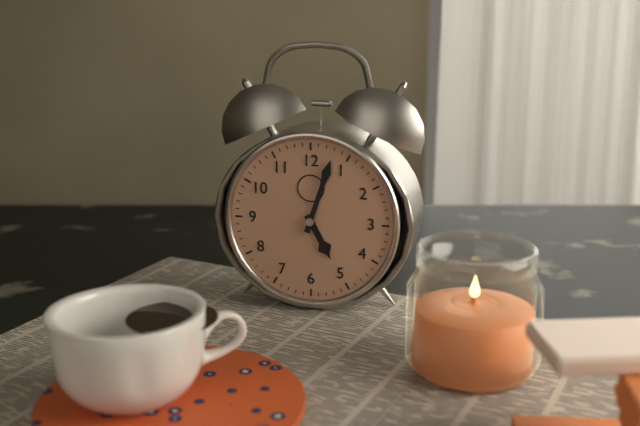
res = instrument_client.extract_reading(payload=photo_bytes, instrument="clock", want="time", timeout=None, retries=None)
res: 5:03
